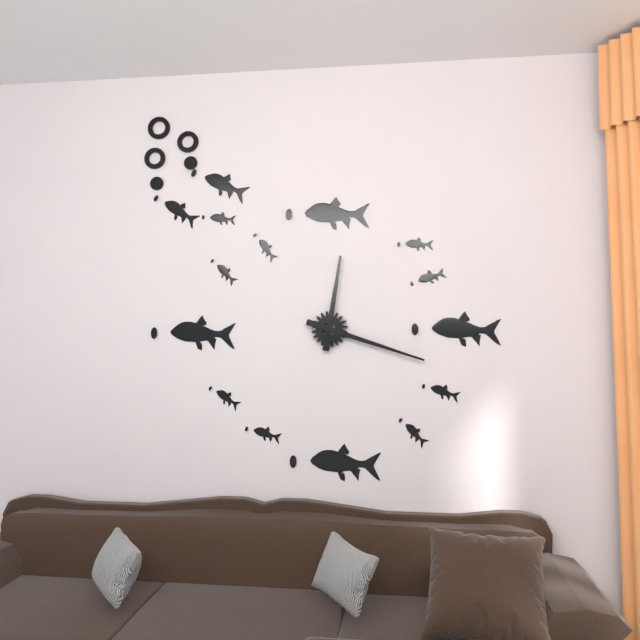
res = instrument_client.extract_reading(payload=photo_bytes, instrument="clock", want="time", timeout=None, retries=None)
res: 12:18
